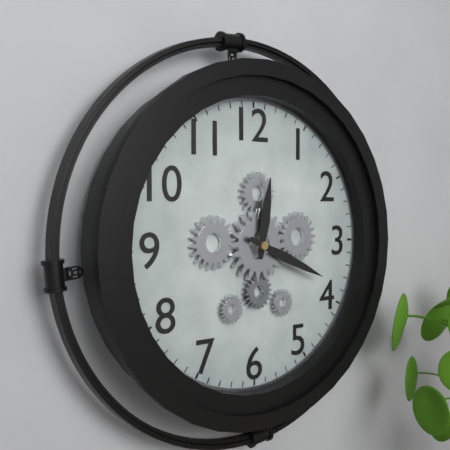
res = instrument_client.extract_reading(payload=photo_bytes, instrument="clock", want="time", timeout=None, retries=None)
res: 12:19
